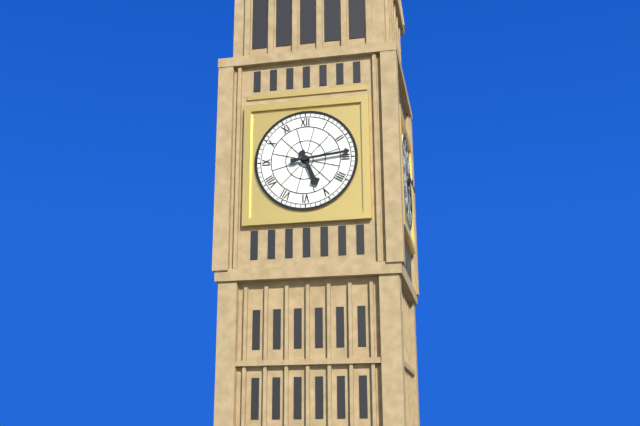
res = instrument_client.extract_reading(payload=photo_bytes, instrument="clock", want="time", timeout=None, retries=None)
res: 5:14
